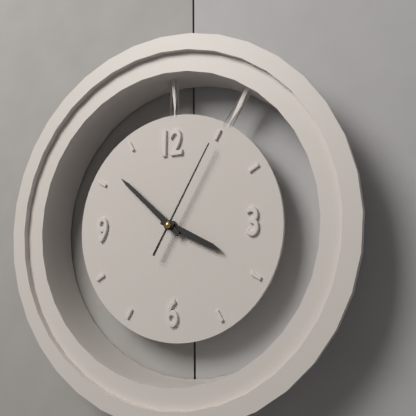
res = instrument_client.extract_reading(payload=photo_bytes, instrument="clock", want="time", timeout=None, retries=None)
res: 3:52:05
